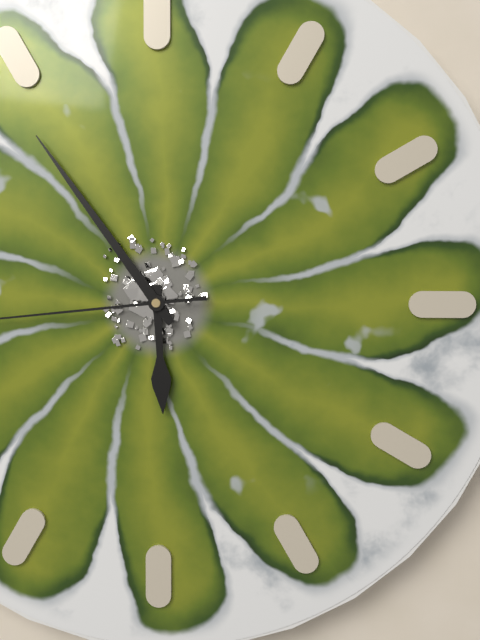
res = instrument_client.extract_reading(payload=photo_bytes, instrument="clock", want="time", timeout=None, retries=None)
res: 5:54
